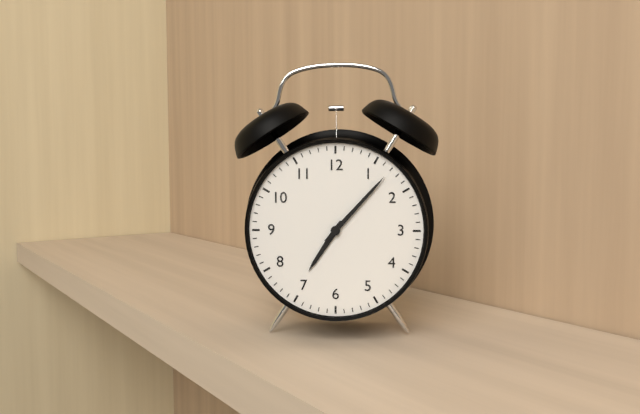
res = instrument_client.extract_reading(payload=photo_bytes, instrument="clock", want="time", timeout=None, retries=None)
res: 7:07
